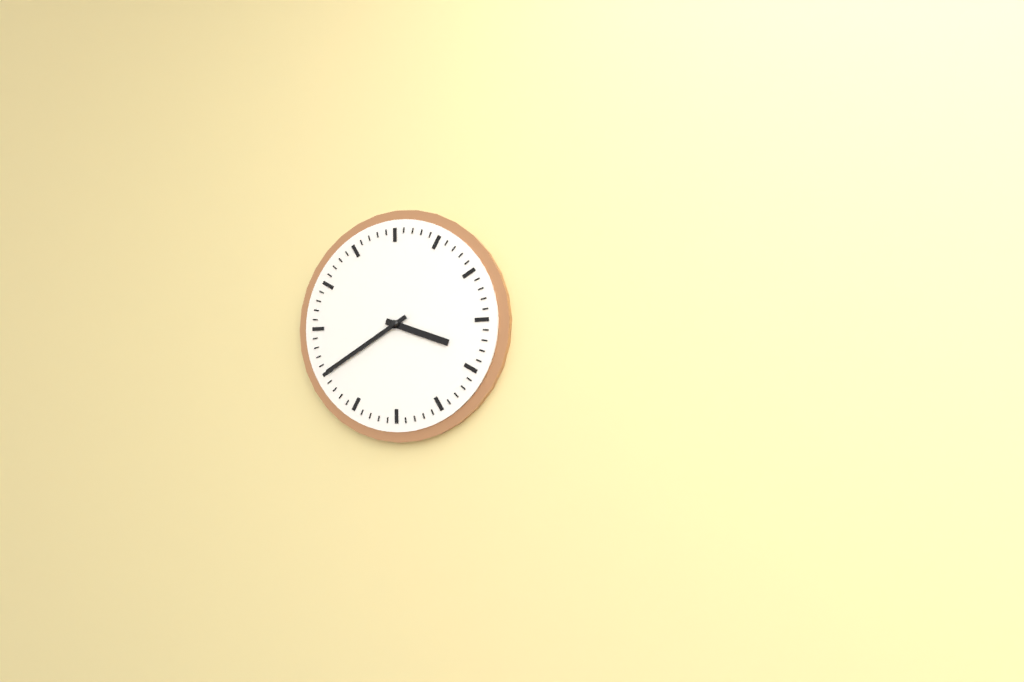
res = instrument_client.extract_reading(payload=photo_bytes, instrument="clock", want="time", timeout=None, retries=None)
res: 3:40
